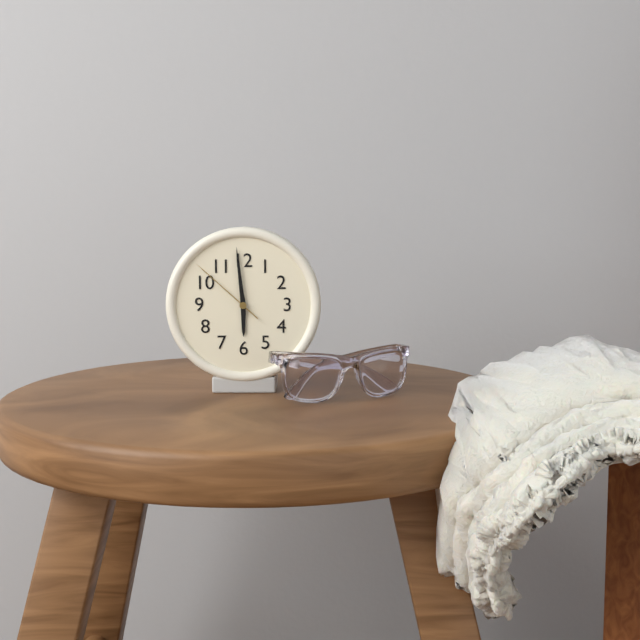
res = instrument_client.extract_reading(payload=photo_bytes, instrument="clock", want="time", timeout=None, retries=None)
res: 5:59:52
